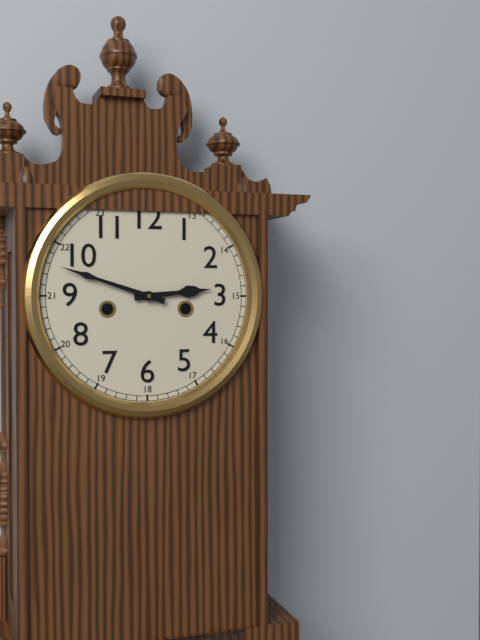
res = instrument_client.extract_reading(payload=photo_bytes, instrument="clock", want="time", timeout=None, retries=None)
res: 2:48
